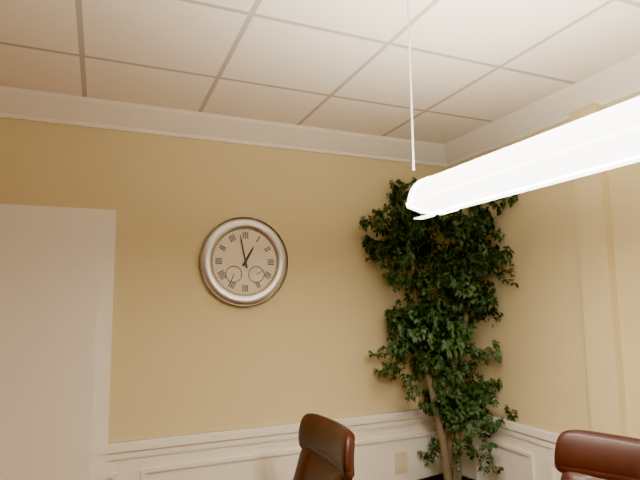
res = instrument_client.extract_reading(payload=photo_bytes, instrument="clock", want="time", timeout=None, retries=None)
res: 12:58
